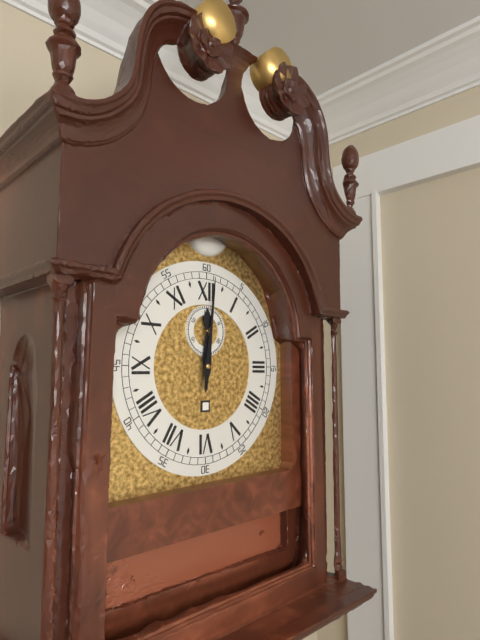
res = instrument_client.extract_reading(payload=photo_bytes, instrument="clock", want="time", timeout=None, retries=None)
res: 12:01
